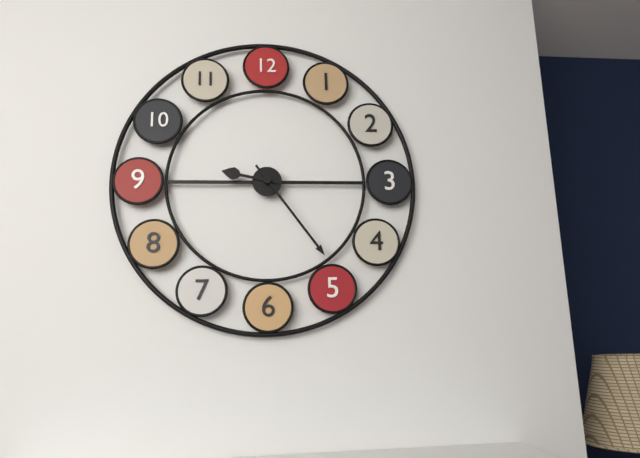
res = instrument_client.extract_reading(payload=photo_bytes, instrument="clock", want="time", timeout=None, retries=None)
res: 9:24
